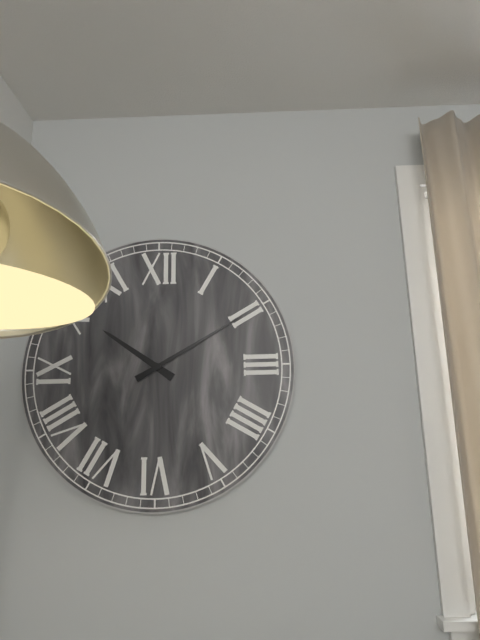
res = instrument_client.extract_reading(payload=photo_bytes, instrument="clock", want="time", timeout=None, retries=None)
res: 10:10
